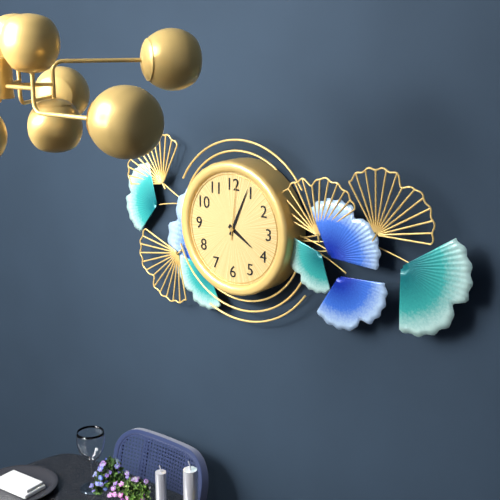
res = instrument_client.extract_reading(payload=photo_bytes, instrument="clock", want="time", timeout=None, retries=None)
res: 4:04:01
